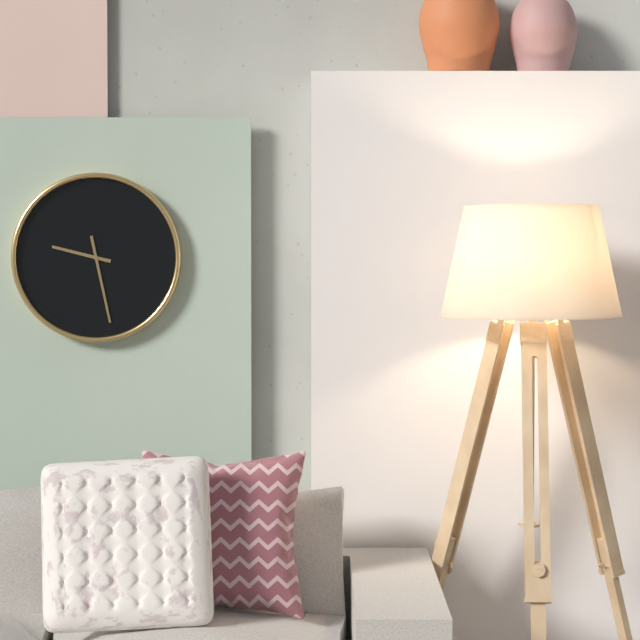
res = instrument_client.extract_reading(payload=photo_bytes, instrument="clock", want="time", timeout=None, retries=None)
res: 9:28
